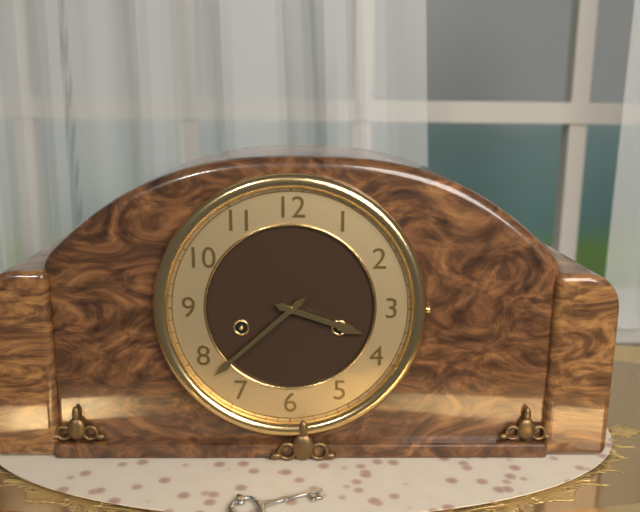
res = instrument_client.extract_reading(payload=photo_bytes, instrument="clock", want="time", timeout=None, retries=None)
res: 3:38
